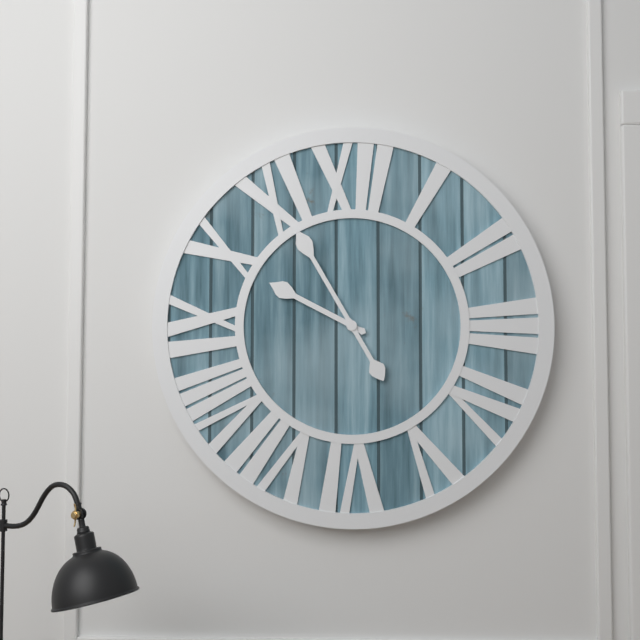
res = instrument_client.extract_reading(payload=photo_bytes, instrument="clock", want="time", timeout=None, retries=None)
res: 9:55
